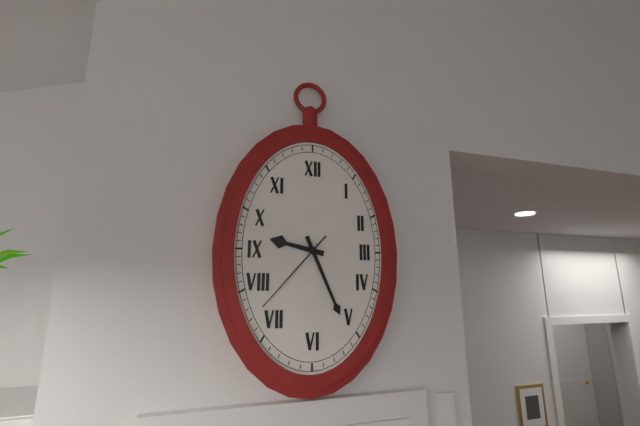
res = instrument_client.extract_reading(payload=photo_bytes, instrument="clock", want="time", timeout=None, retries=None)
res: 9:26:37
